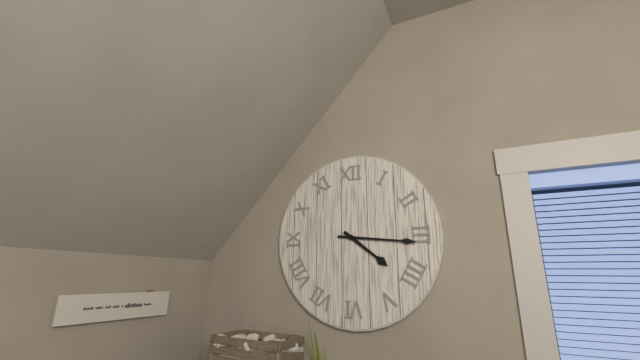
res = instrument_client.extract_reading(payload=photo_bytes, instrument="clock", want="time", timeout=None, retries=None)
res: 4:16
